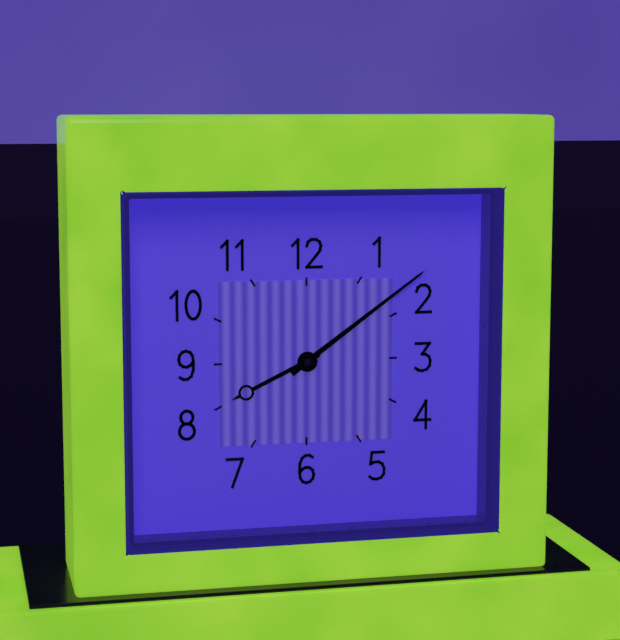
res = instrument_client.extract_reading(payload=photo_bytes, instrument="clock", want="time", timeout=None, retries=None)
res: 8:09
